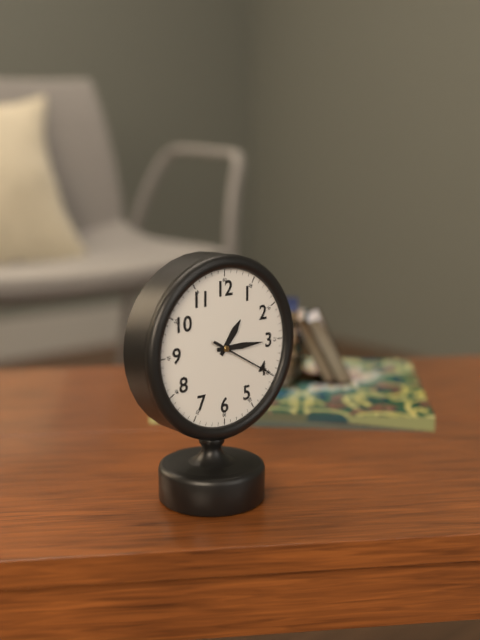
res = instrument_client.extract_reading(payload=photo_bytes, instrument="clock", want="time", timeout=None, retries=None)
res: 1:15:20
